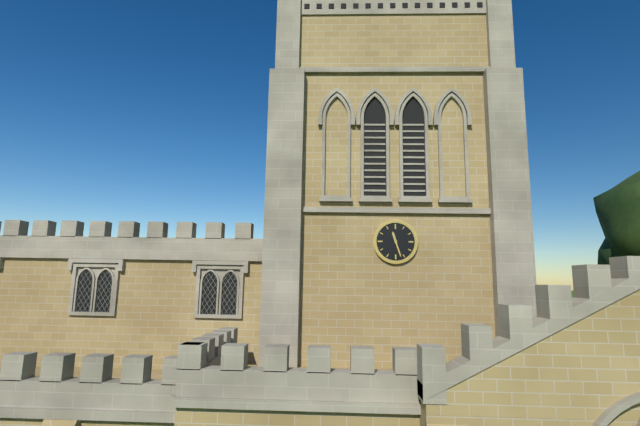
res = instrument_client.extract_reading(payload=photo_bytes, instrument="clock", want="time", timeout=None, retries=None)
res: 11:27
